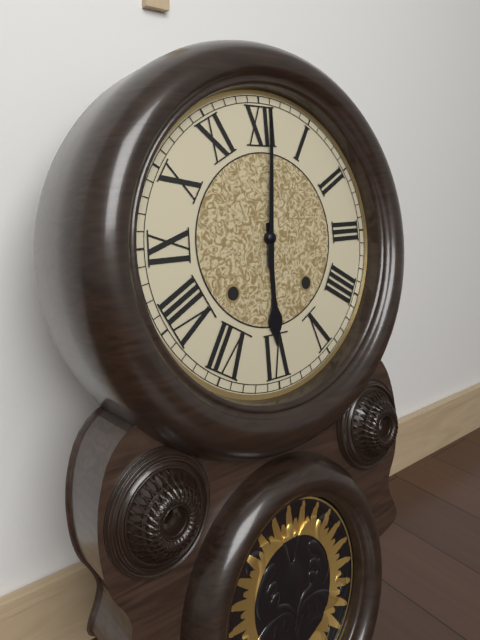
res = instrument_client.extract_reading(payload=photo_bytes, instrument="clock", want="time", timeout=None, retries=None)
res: 6:01
